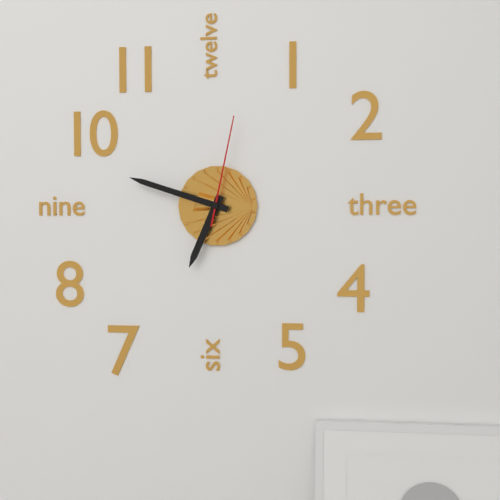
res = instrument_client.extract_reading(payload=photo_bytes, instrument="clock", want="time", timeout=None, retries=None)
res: 6:48:02
